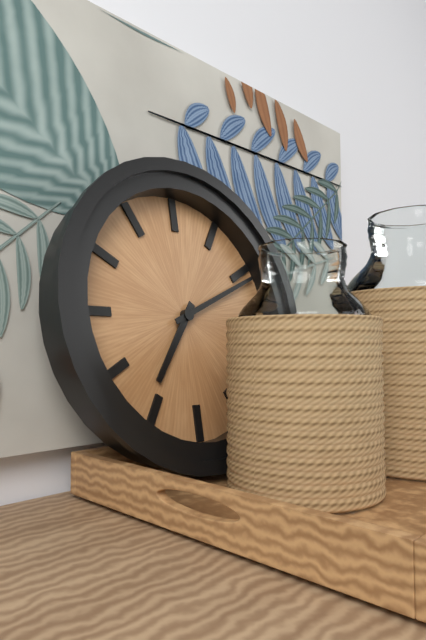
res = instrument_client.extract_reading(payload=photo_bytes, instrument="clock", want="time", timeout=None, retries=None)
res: 7:11
